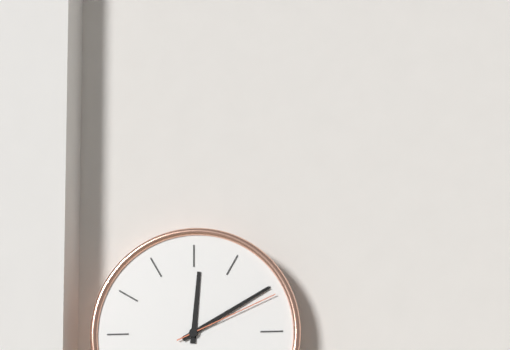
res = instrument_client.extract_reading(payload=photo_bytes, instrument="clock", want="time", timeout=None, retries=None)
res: 12:10:11
